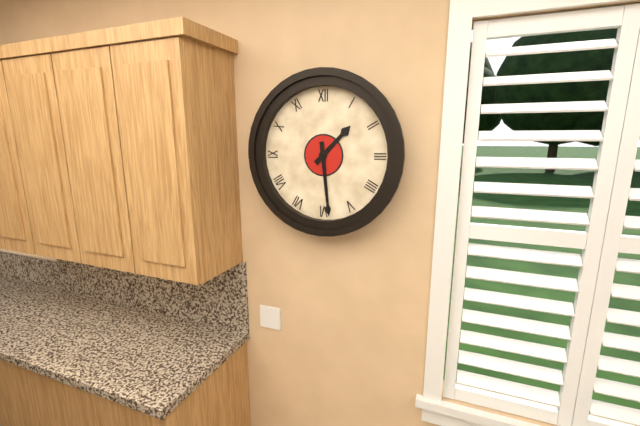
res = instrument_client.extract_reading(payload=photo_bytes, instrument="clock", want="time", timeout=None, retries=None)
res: 1:29
